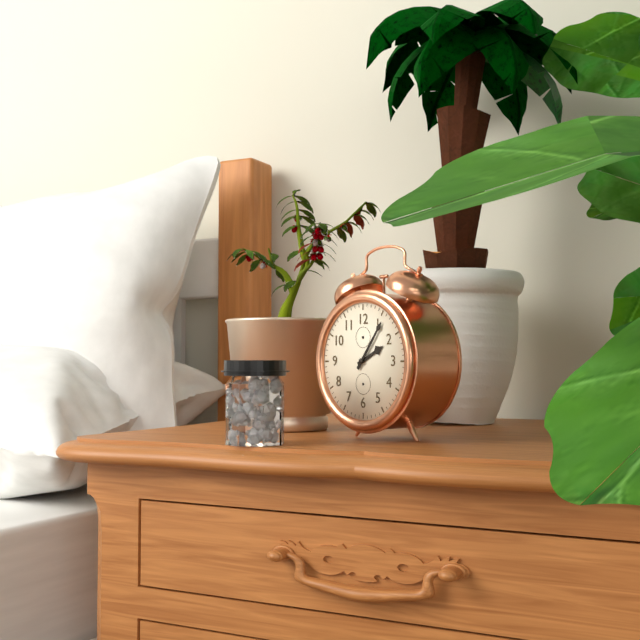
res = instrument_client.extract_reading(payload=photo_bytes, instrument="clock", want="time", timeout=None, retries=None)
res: 2:06
